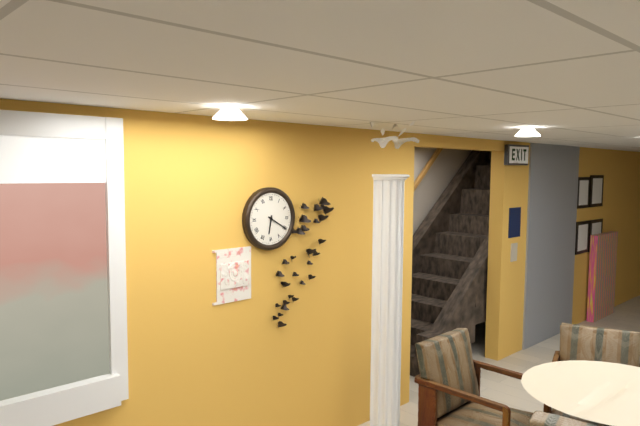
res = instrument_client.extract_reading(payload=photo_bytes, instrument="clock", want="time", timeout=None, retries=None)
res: 6:20
